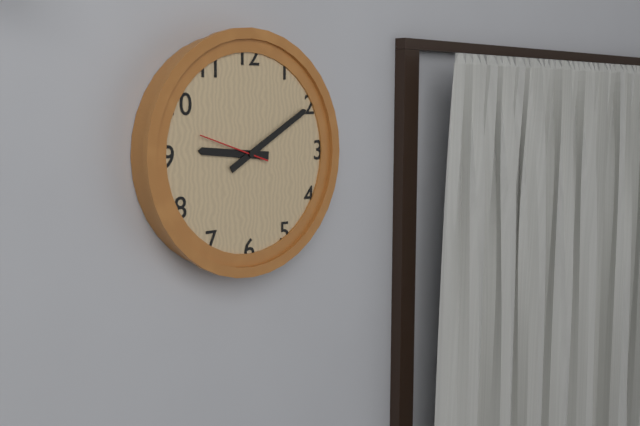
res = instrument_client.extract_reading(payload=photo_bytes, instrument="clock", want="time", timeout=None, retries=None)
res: 9:10:48
